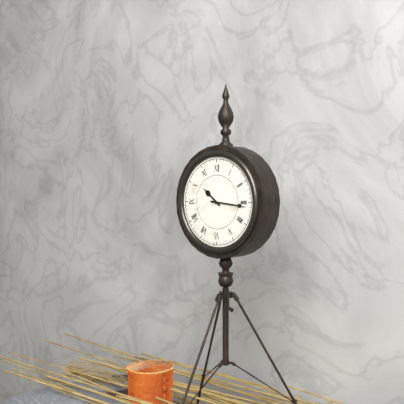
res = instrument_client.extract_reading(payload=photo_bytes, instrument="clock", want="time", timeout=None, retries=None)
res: 10:16
